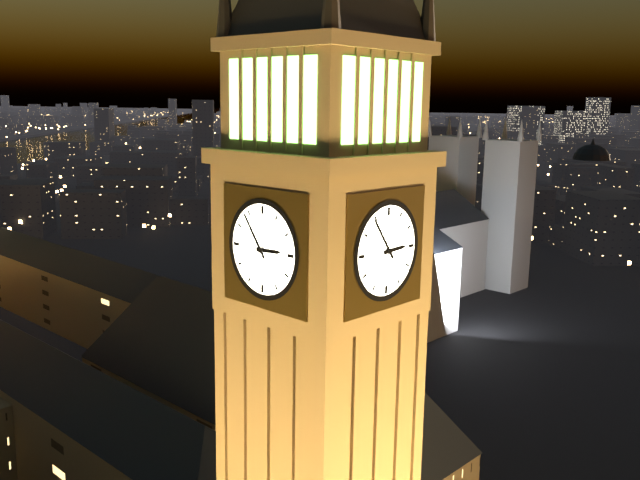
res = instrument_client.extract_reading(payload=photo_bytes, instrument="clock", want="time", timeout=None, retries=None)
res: 2:54
